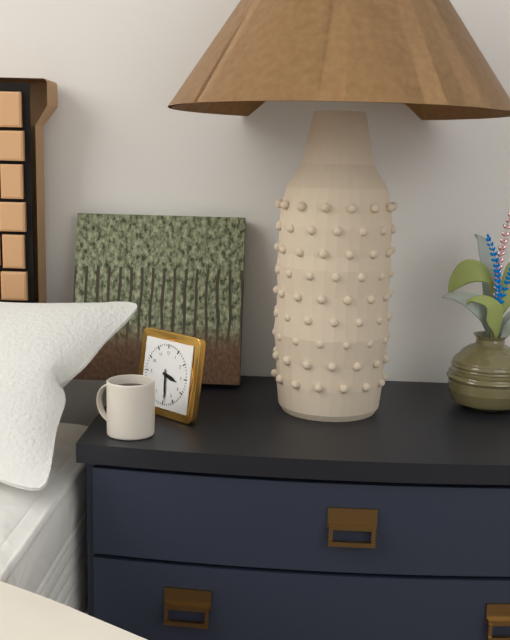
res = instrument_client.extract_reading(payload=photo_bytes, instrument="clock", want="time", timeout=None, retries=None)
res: 3:29
